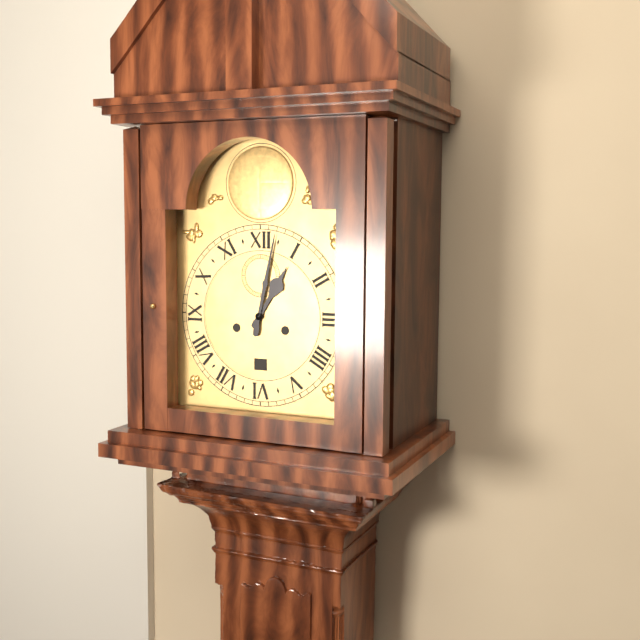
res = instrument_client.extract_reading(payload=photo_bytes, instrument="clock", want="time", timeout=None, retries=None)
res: 1:02
